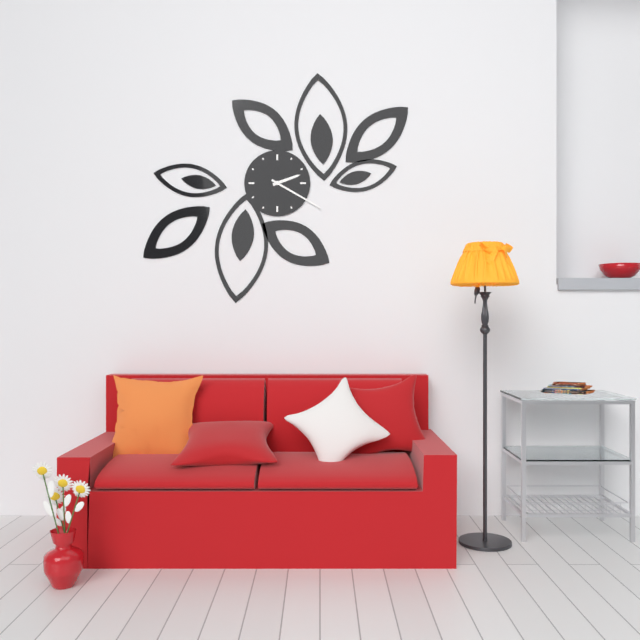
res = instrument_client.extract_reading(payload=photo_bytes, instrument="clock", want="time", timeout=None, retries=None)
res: 2:20
